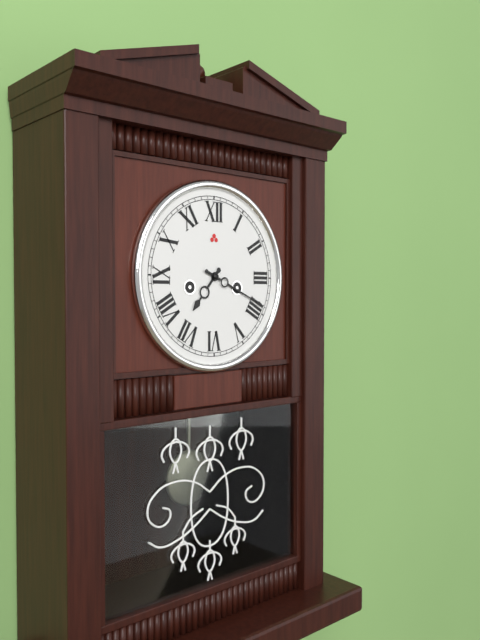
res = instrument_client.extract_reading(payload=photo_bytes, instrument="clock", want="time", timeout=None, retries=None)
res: 7:19
